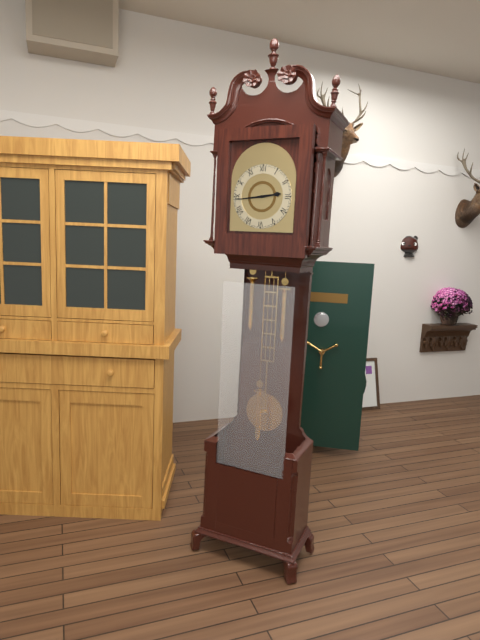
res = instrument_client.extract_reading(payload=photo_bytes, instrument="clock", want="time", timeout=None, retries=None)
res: 2:44
